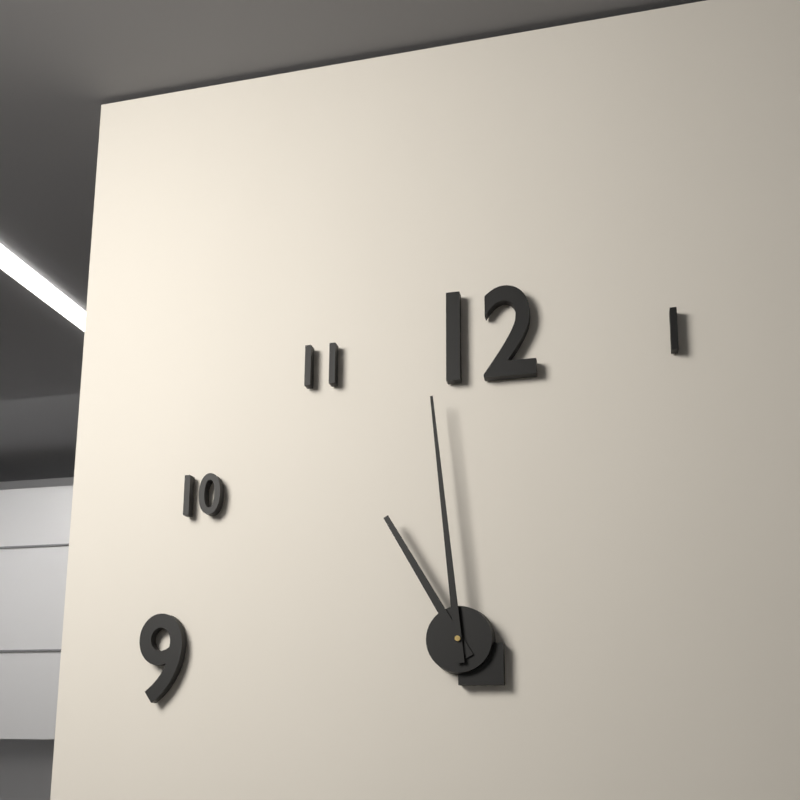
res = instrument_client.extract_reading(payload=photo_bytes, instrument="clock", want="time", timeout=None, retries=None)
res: 10:59
